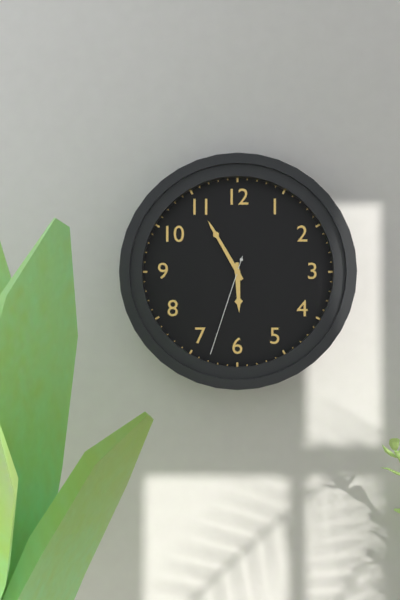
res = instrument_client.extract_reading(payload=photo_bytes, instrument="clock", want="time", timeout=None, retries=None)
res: 5:55:33
